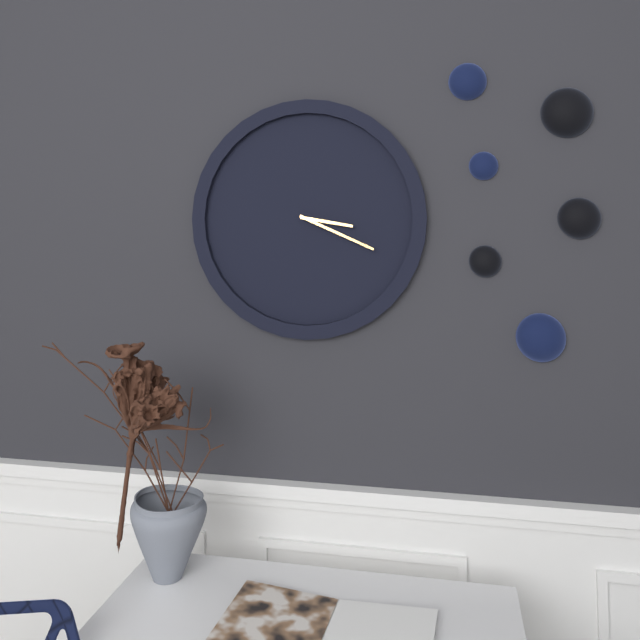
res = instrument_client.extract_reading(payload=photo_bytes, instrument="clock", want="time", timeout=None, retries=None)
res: 3:19
